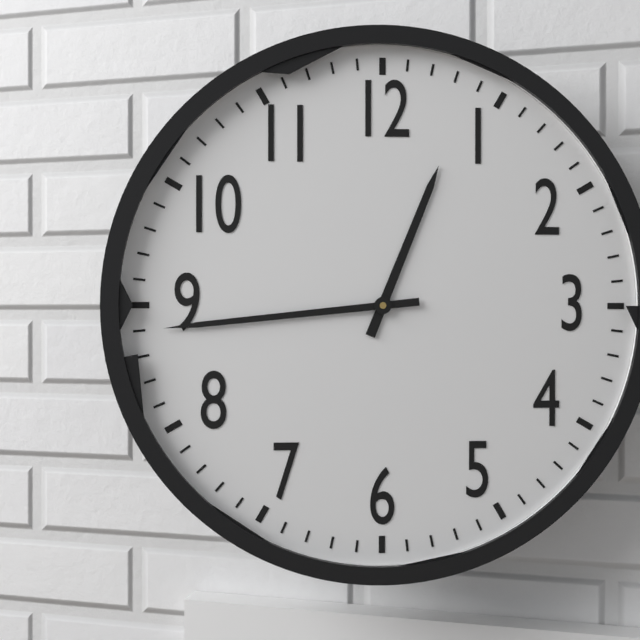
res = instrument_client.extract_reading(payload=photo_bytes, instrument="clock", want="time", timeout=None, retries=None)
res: 12:44
